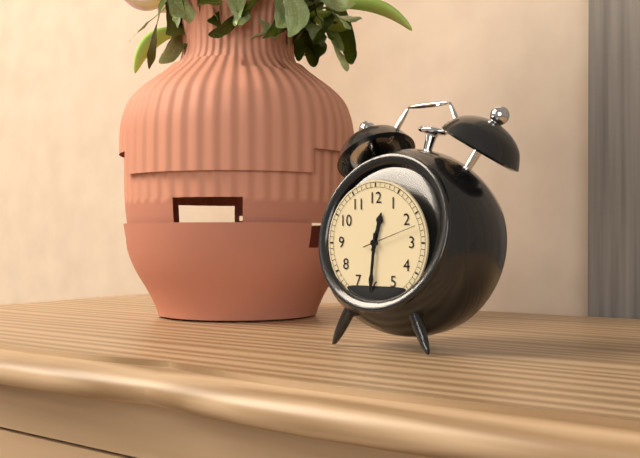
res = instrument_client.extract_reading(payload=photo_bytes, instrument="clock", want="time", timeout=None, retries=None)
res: 12:31:12
